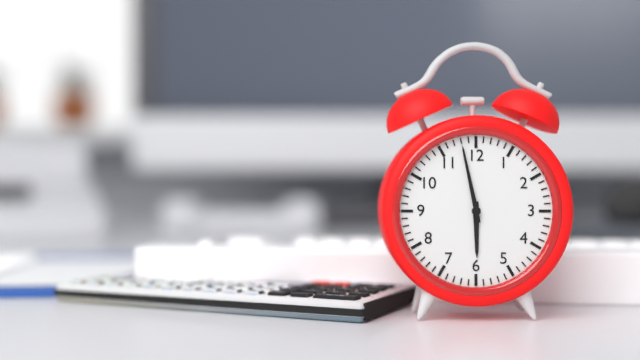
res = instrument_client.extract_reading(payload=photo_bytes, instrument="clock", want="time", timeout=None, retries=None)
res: 5:58
